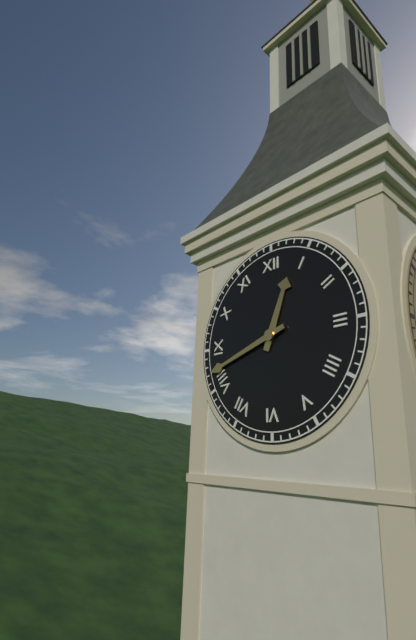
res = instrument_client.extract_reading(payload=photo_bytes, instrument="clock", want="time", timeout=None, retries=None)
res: 12:42
